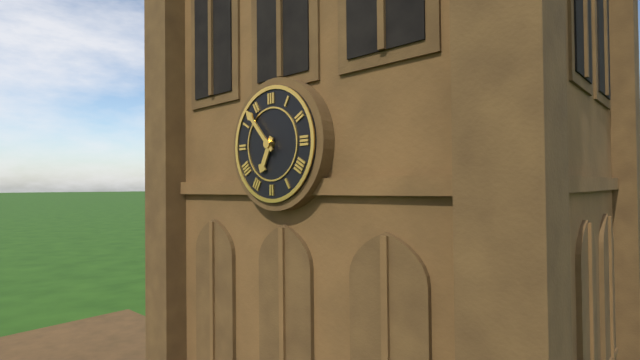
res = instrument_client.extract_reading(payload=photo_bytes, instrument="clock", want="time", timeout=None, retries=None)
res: 6:53
